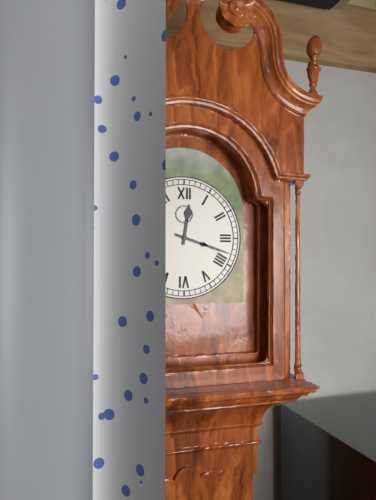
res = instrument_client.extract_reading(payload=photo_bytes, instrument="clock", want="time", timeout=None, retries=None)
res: 12:18
